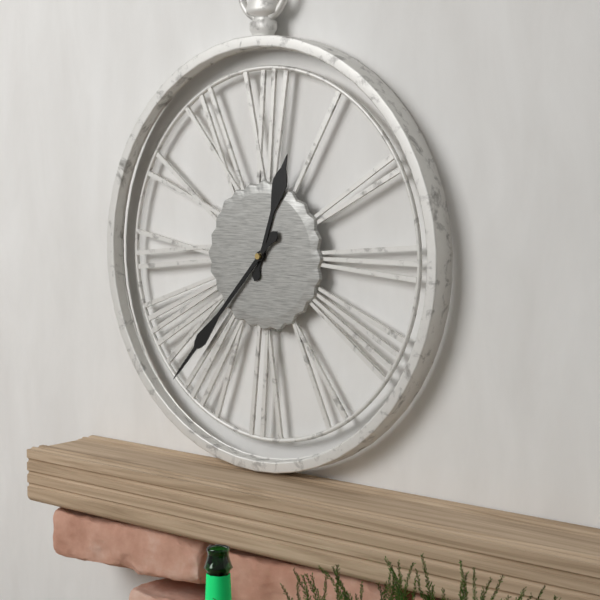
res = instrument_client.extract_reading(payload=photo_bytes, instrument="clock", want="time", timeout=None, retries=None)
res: 12:37
